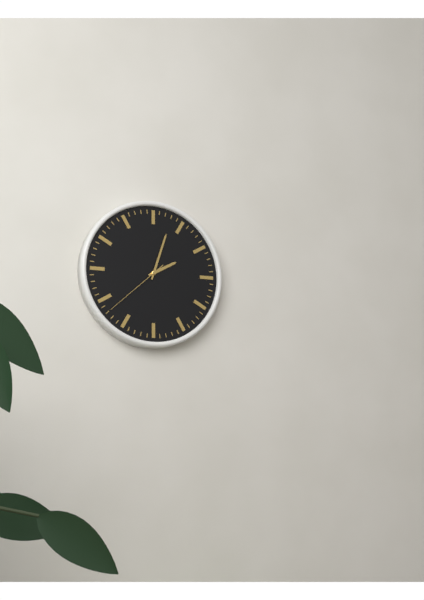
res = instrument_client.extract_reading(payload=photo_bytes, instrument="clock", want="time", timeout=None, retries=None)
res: 2:03:38
